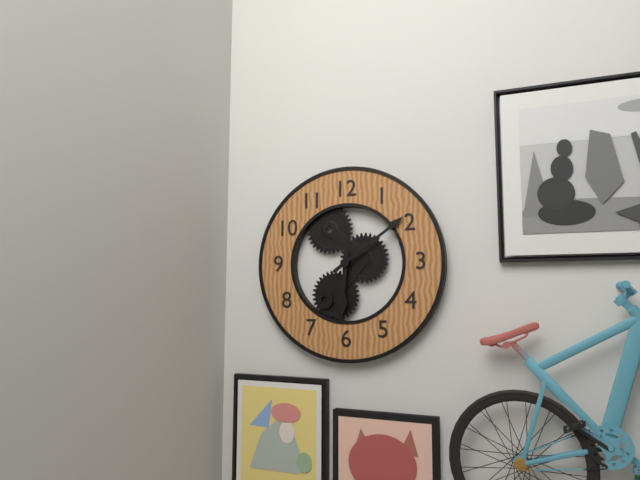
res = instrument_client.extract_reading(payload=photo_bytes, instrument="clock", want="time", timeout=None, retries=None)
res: 6:09
